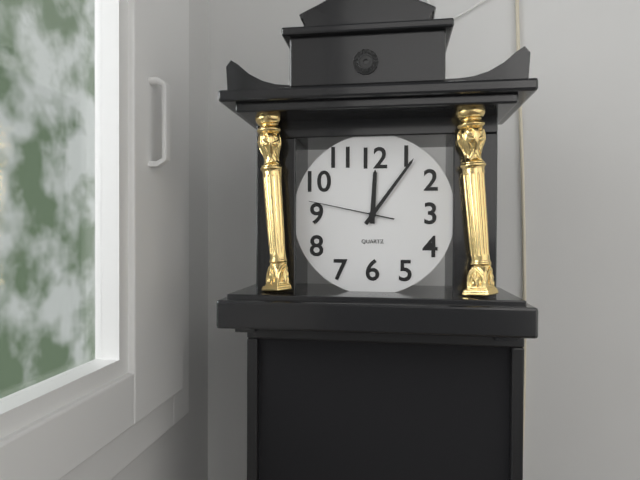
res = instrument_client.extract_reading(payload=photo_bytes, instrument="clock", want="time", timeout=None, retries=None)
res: 12:06:47
